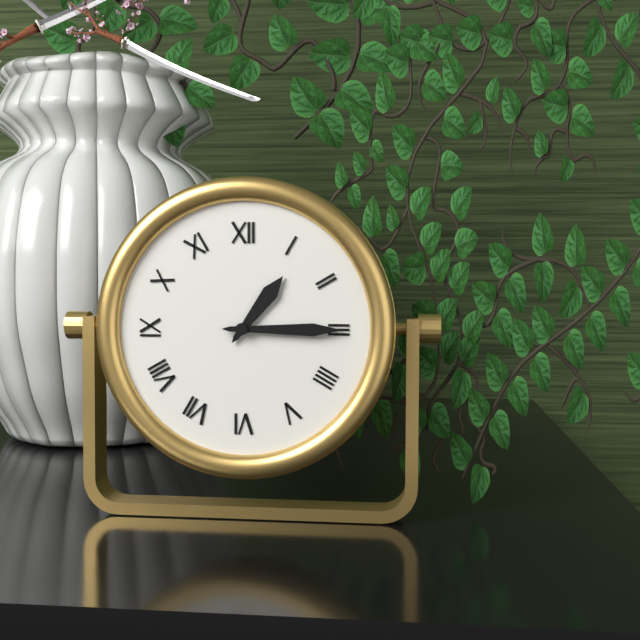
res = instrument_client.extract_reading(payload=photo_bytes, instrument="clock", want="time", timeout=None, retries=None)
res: 1:15
